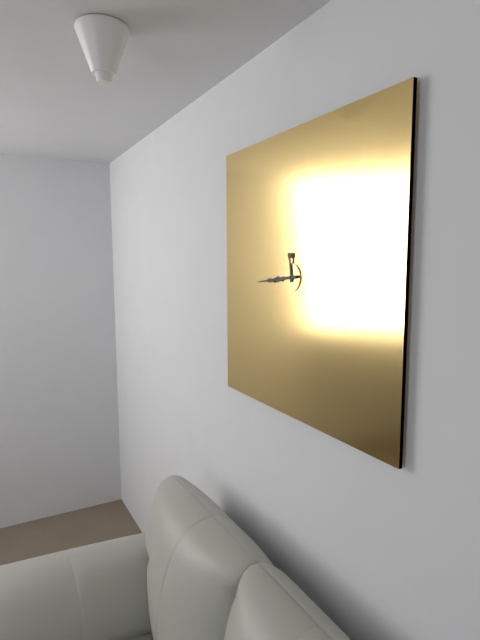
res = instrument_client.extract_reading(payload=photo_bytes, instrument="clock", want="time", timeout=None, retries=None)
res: 11:44
